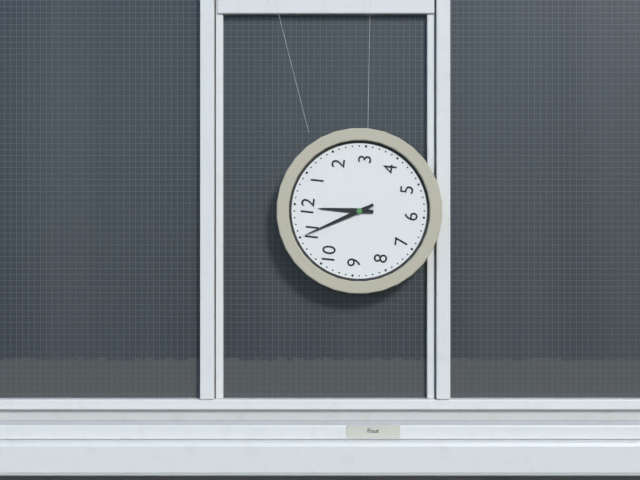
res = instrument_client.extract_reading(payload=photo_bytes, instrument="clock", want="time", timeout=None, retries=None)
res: 11:55
